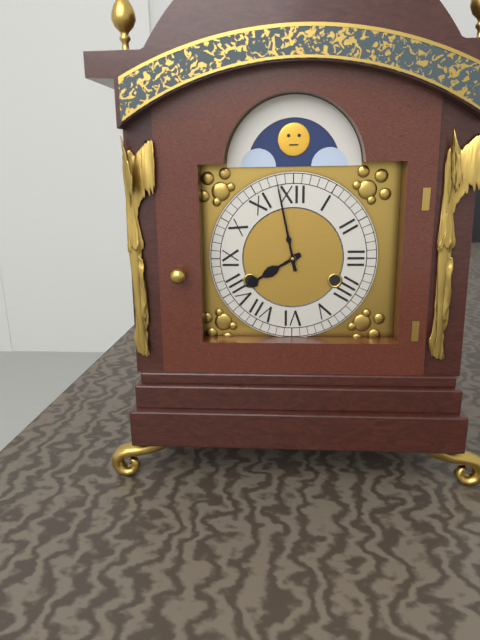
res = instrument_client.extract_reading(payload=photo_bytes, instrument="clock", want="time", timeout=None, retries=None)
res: 7:58
